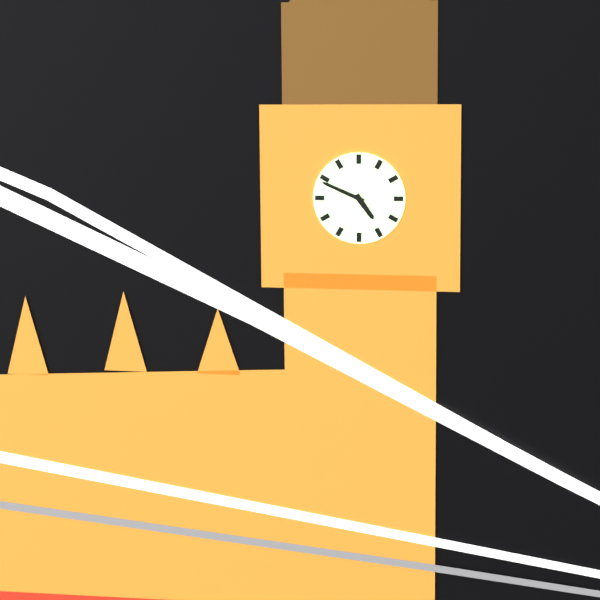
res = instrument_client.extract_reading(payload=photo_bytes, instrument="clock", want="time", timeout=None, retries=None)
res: 4:49
